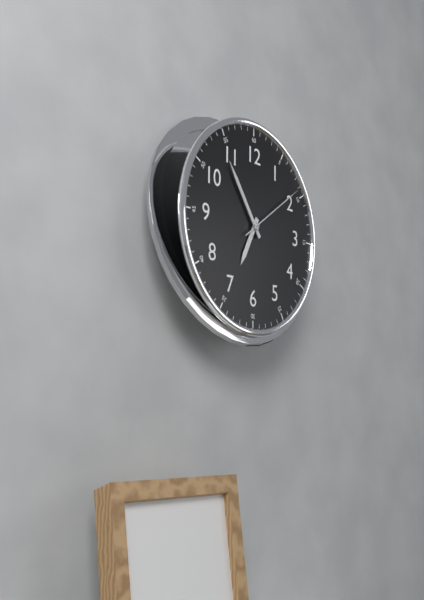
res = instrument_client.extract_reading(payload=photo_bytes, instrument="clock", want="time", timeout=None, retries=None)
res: 6:54:09
